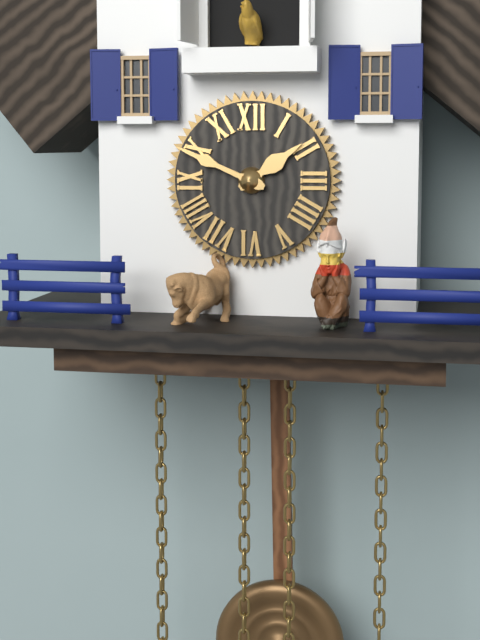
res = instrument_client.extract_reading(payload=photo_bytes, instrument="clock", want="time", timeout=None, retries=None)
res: 1:49
